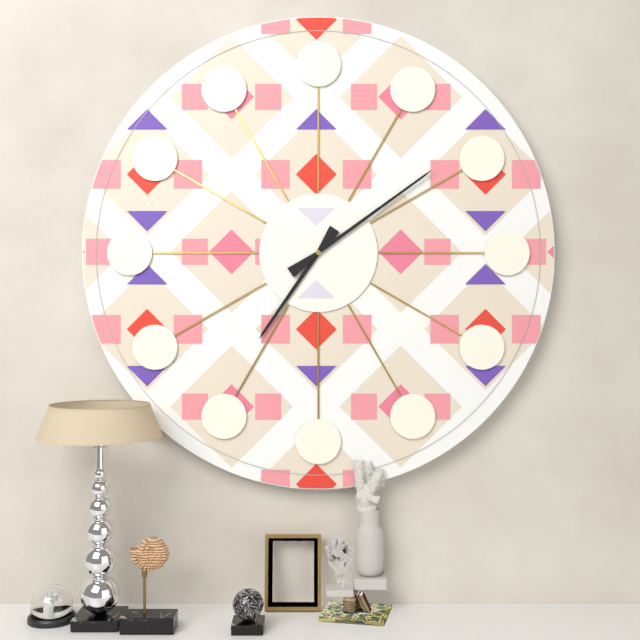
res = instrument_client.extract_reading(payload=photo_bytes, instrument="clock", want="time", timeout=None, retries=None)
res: 7:09
